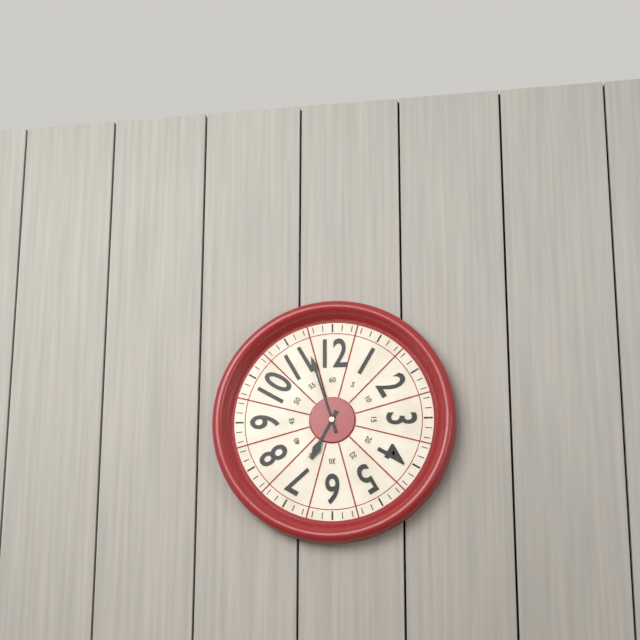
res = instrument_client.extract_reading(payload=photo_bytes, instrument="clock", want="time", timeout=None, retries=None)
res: 6:57
